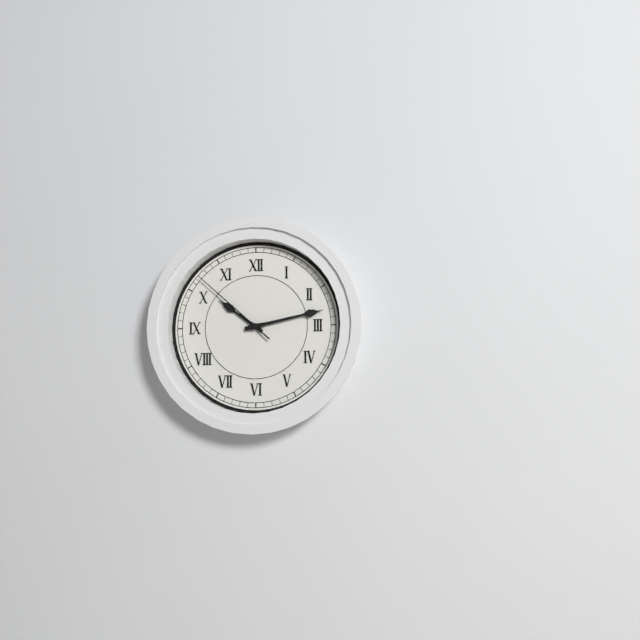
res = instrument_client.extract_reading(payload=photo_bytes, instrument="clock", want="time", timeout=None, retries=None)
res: 10:13:52
